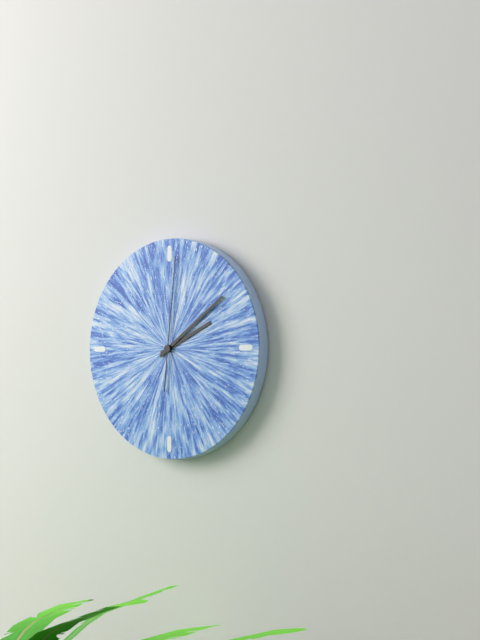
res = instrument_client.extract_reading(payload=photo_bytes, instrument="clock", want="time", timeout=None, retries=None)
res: 2:09:01
